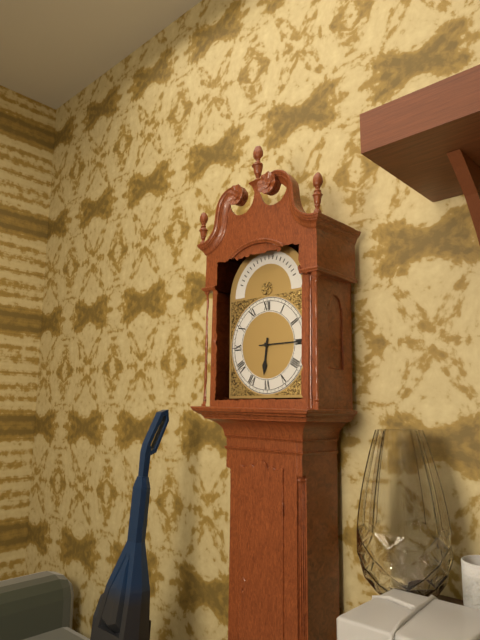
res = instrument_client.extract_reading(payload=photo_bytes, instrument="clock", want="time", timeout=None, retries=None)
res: 6:15
